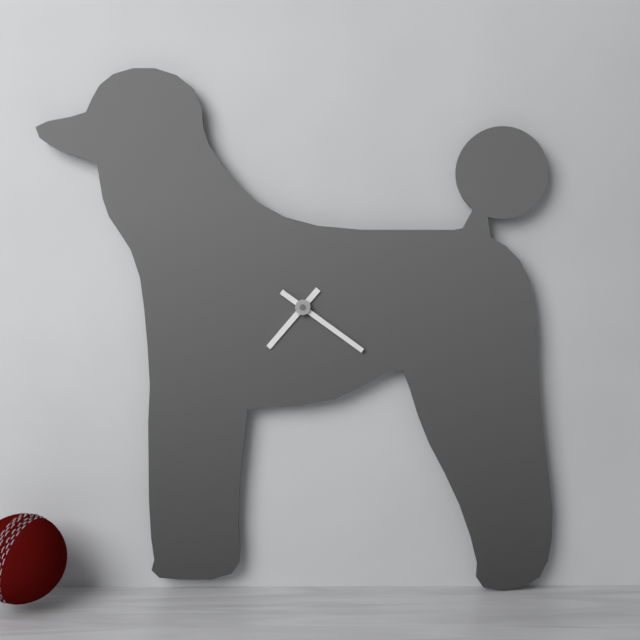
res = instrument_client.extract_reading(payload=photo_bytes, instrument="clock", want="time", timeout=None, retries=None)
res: 7:21
